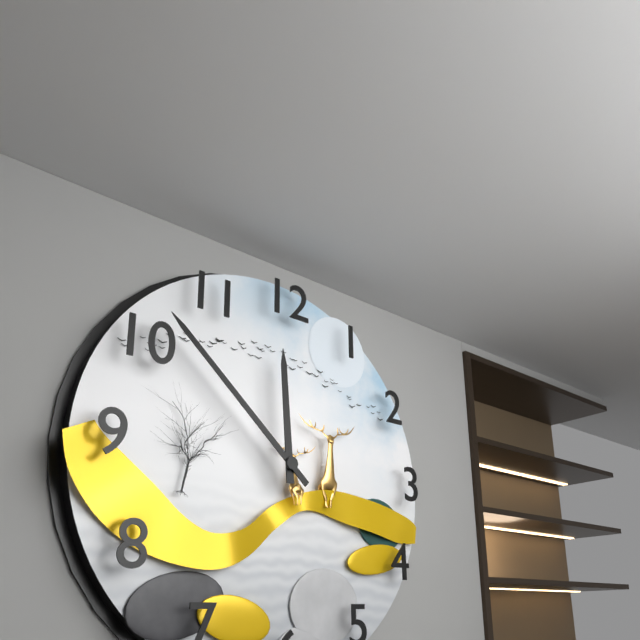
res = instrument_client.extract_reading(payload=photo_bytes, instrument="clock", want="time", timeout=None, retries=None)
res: 11:52
